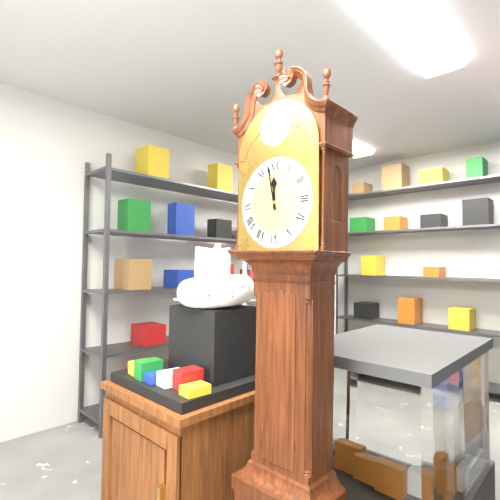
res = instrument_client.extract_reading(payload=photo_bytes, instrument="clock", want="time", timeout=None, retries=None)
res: 11:58
